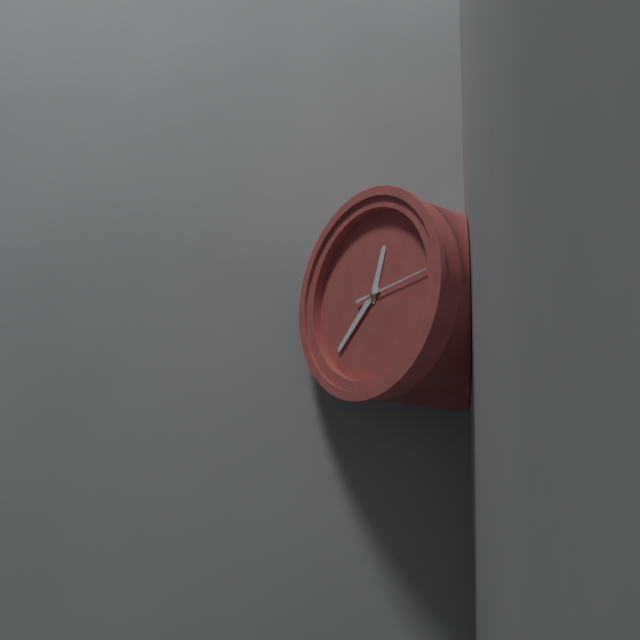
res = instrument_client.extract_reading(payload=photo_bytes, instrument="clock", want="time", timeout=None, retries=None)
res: 12:38:14
